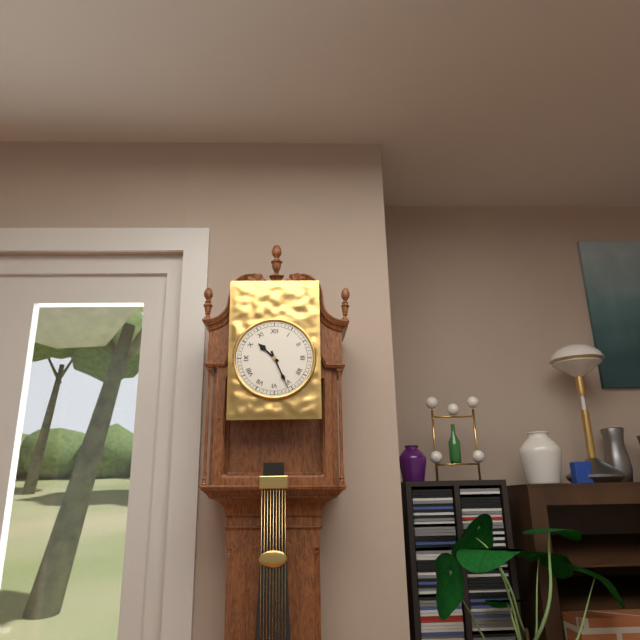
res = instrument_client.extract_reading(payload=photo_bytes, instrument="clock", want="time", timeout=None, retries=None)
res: 10:26
